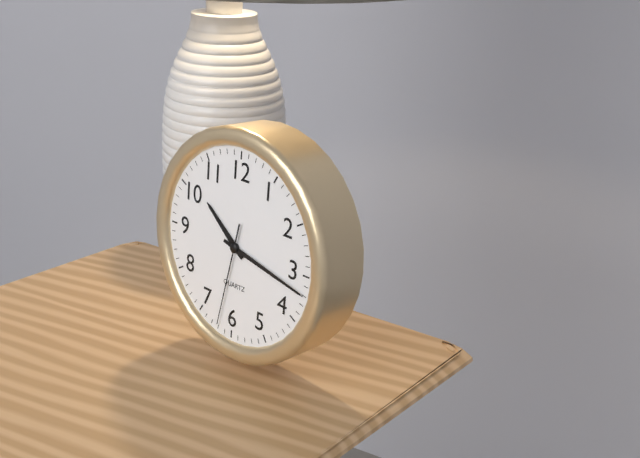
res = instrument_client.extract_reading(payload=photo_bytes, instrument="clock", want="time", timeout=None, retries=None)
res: 10:17:32
